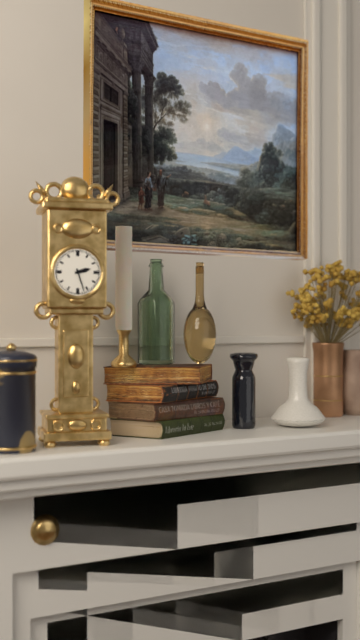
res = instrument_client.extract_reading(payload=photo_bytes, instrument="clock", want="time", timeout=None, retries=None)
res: 2:27
